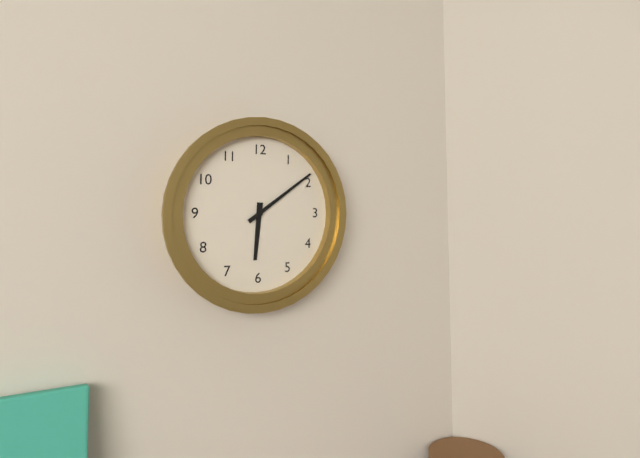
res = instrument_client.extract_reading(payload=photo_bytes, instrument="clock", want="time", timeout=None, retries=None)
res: 6:09
